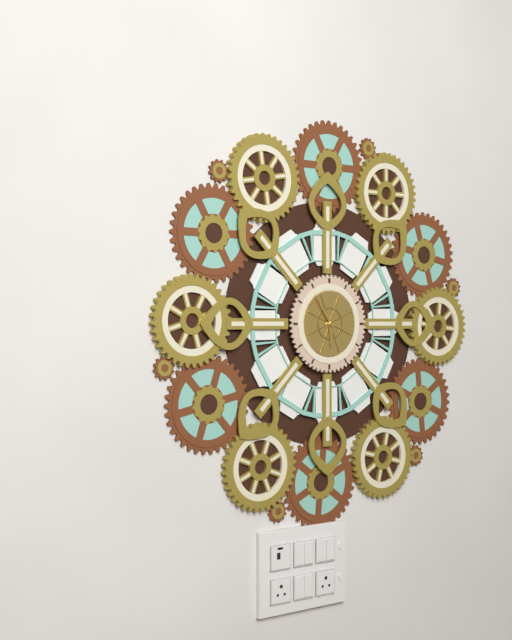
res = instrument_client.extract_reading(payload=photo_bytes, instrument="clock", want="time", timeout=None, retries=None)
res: 5:54
